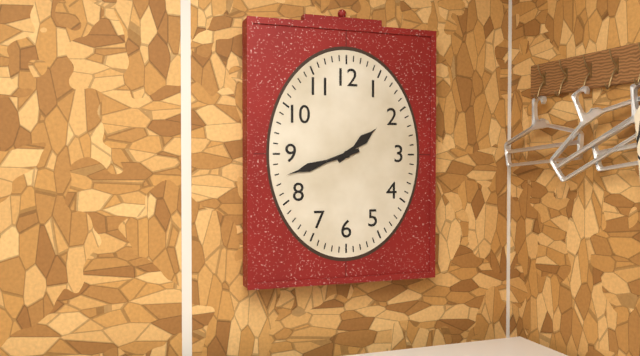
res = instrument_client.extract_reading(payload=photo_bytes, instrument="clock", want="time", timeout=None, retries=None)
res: 1:42
